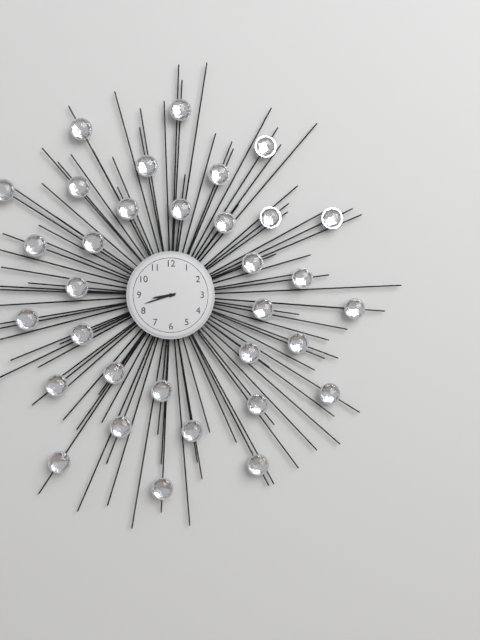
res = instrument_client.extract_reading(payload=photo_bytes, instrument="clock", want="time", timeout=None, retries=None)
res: 8:42
